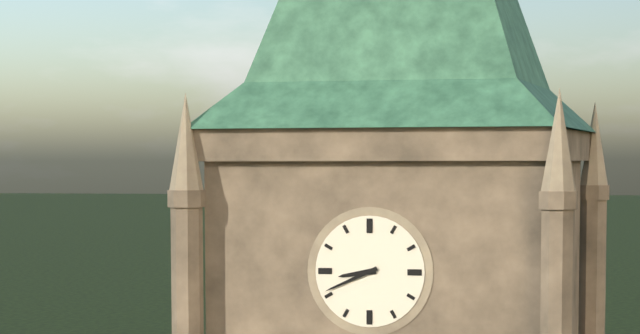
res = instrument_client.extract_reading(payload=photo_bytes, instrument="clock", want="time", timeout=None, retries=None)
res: 8:41
